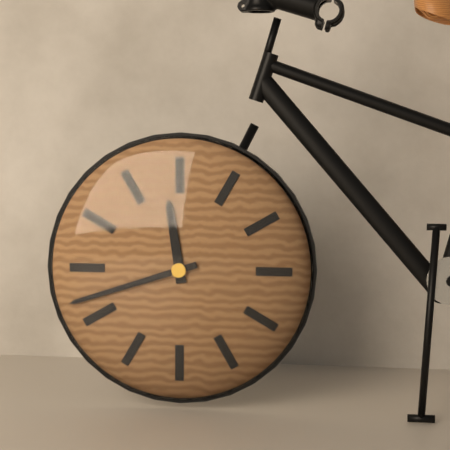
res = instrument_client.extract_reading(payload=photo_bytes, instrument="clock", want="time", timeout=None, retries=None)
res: 11:42
